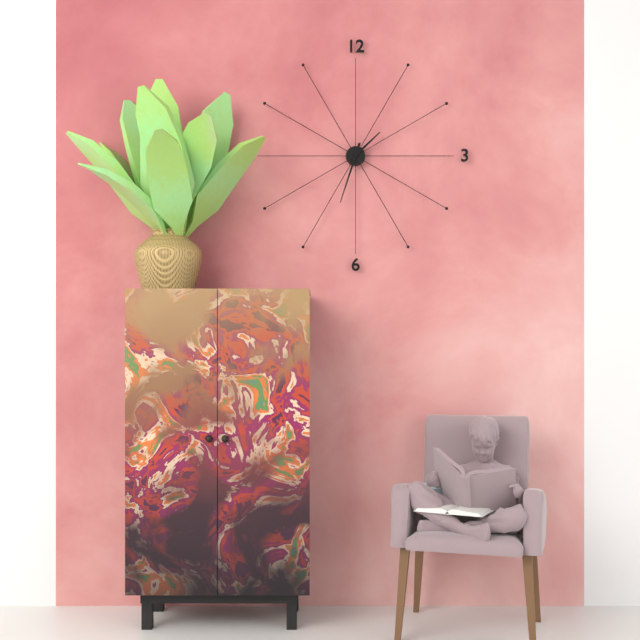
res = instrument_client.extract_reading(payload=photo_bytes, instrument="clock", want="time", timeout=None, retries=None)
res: 1:33
